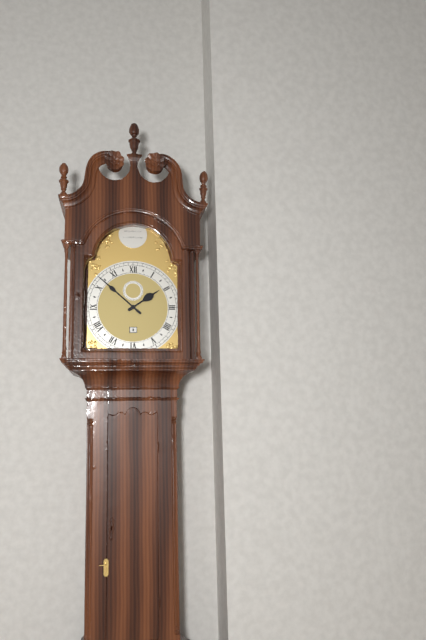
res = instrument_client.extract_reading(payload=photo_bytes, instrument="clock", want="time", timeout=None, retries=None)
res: 1:52
